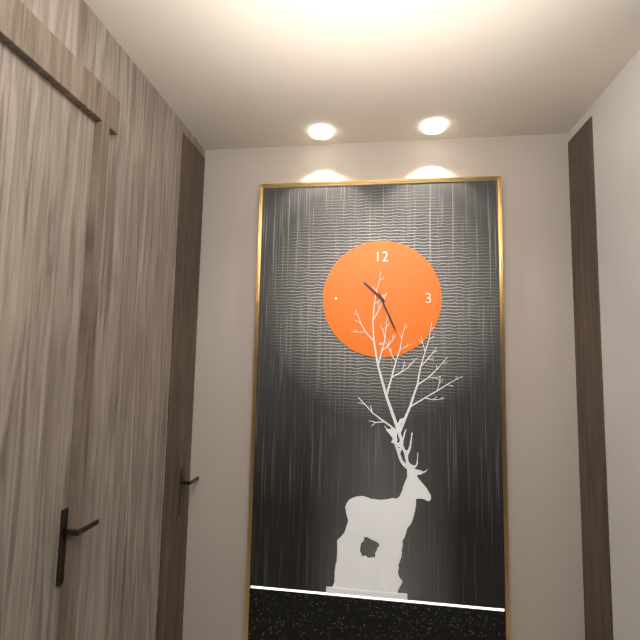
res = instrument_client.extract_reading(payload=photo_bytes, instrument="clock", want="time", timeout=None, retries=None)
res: 10:26
